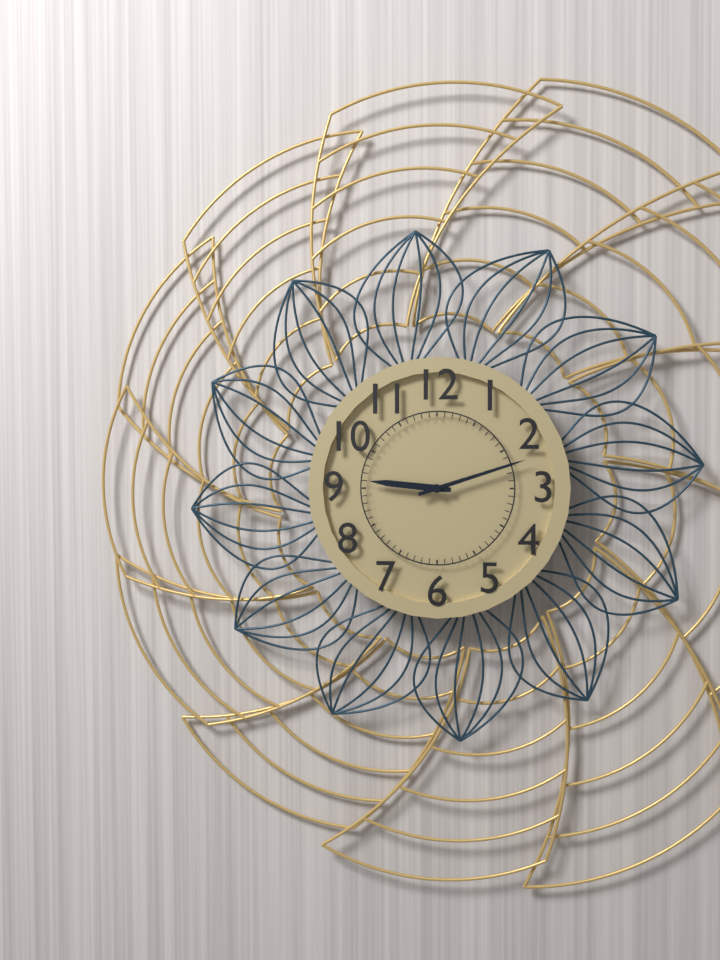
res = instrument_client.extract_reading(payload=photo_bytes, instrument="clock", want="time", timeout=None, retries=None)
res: 9:12
